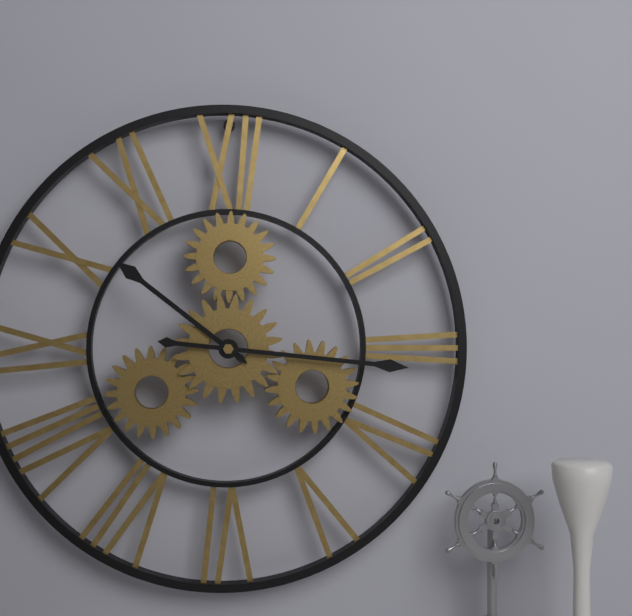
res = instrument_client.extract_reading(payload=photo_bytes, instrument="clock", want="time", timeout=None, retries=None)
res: 10:16
